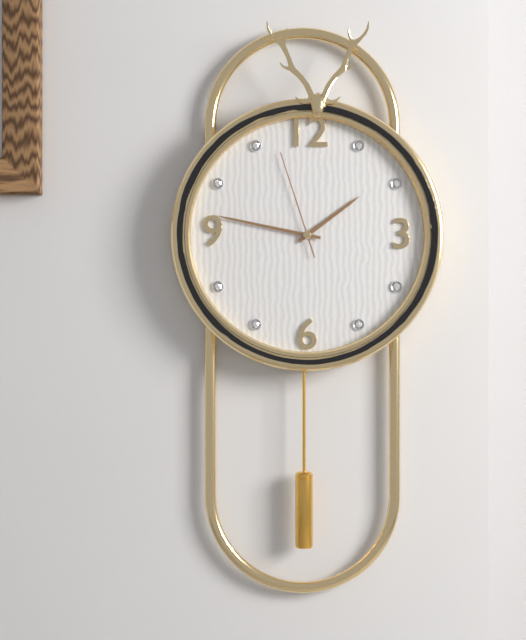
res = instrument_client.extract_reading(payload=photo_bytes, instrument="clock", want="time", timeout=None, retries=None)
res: 1:47:57
